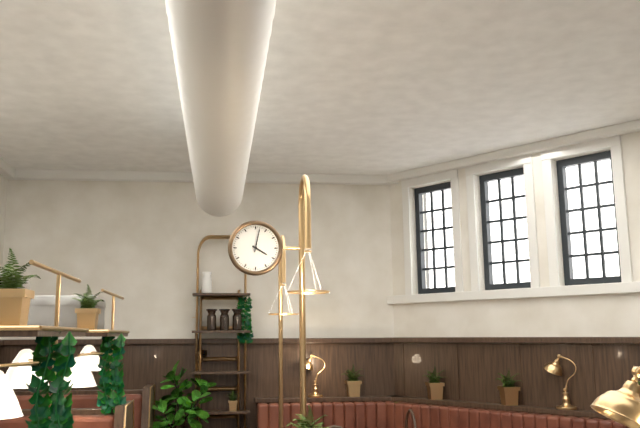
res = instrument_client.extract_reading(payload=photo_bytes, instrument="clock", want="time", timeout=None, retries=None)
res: 4:02
